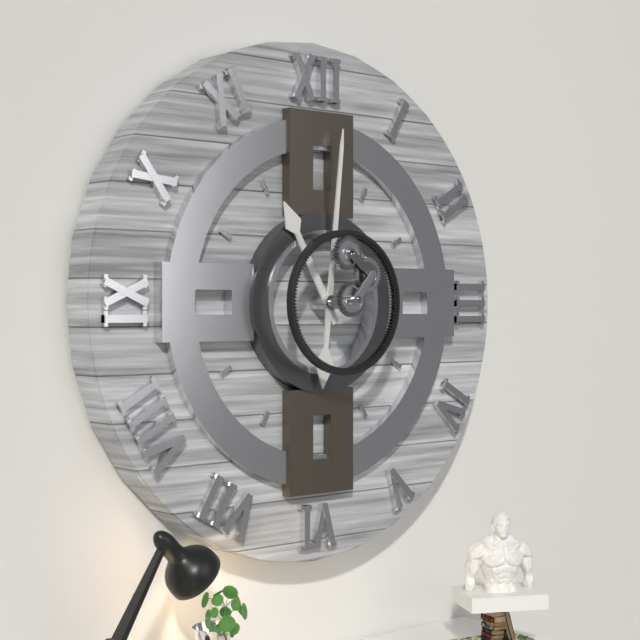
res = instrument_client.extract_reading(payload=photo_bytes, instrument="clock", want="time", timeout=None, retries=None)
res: 11:01
